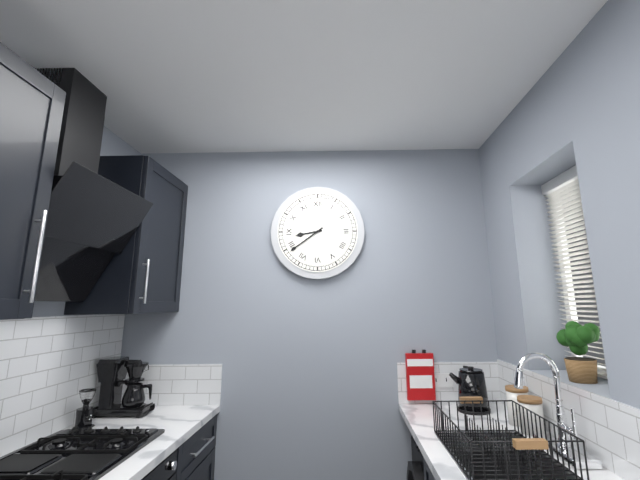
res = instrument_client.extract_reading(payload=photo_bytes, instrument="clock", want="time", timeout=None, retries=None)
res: 8:39
